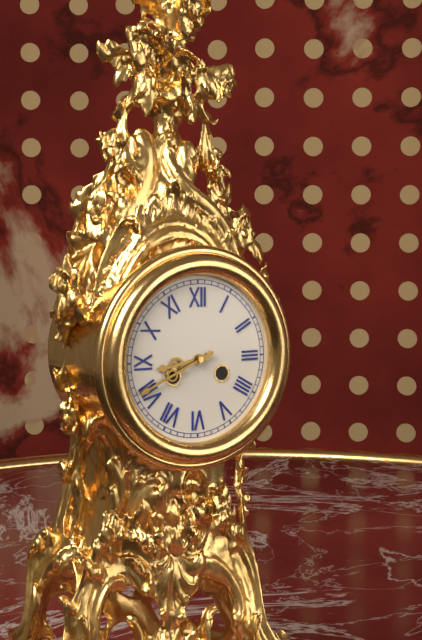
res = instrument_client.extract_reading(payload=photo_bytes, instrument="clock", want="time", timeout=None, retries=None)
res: 8:41
